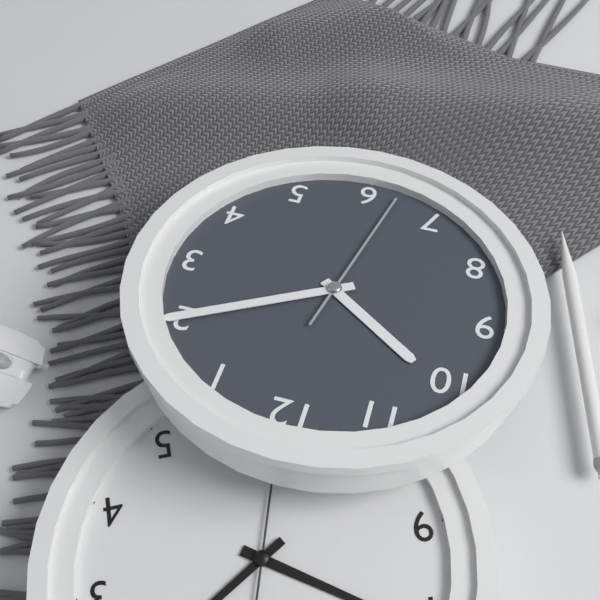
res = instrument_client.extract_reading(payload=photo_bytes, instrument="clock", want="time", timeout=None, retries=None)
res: 10:10:32
